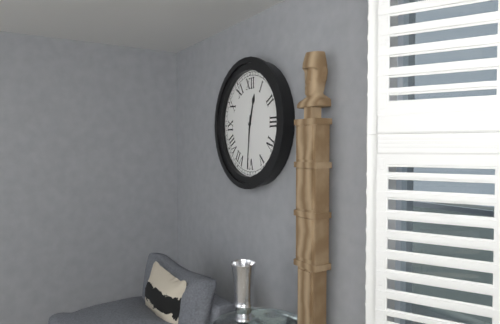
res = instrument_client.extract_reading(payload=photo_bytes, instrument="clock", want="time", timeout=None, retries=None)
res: 12:31
